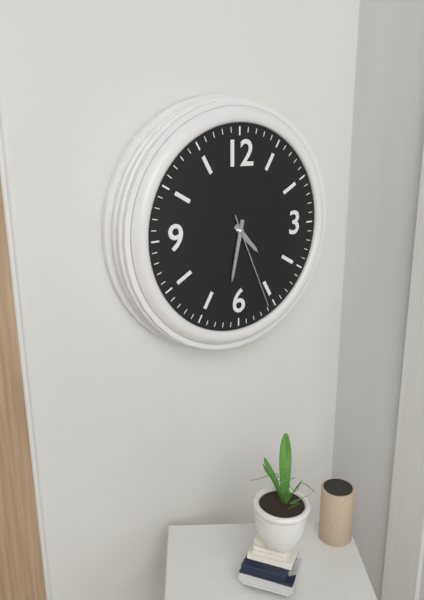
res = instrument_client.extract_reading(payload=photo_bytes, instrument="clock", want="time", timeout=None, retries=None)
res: 4:32:26
